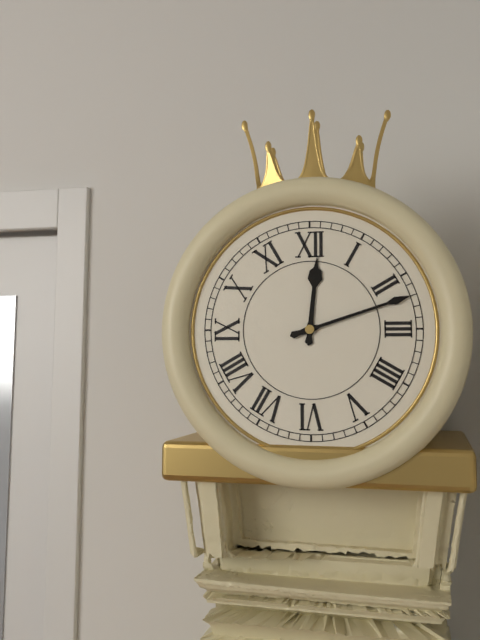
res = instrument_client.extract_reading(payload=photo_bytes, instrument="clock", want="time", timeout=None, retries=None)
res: 12:12
